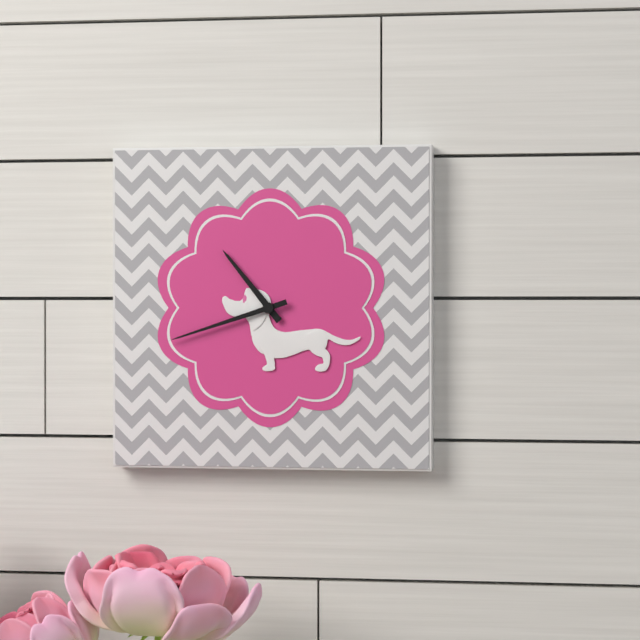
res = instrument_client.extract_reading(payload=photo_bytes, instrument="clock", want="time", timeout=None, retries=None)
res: 10:42
